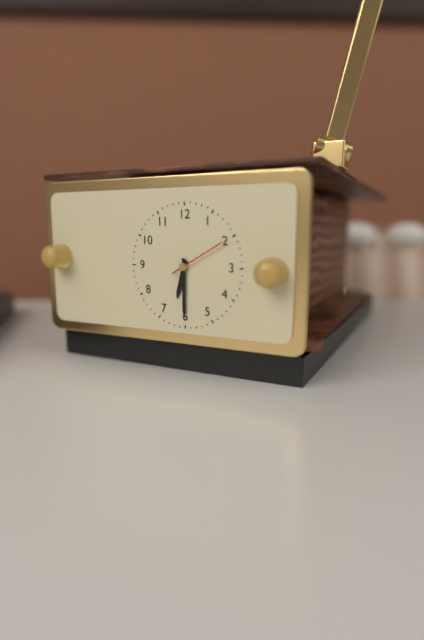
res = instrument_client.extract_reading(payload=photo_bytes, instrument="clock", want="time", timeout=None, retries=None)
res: 6:30:10
